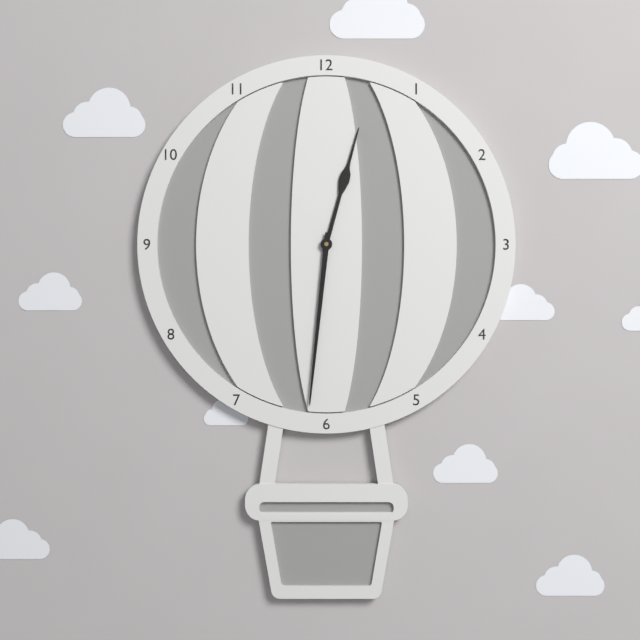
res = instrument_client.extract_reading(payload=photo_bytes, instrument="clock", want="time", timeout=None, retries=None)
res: 12:31
